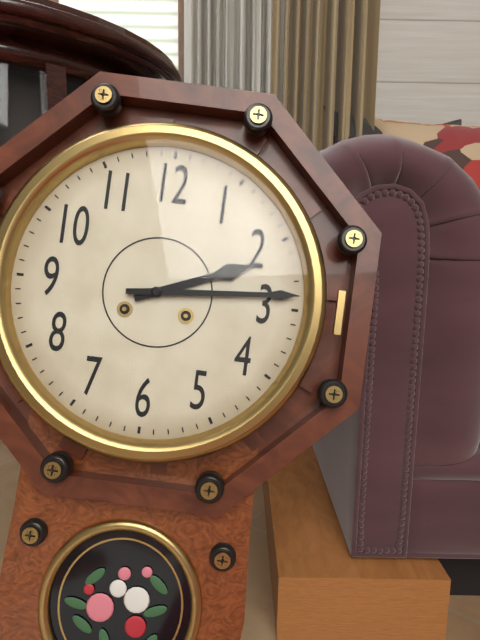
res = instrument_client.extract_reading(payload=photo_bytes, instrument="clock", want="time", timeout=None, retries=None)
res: 2:14
